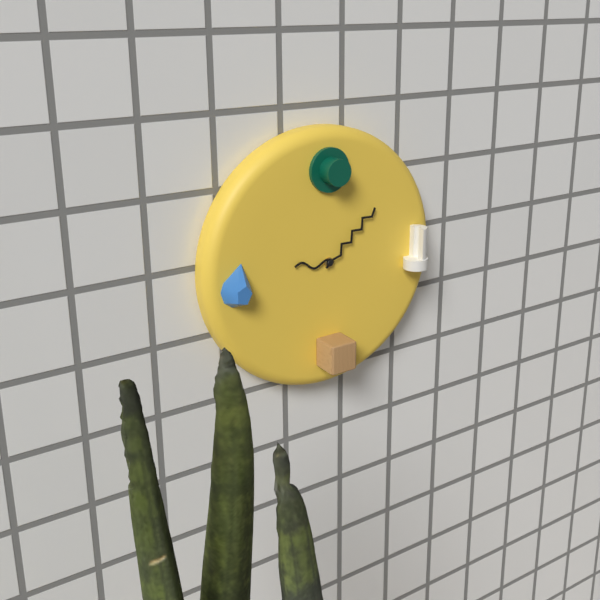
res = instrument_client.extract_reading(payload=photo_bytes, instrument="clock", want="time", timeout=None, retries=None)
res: 9:08
